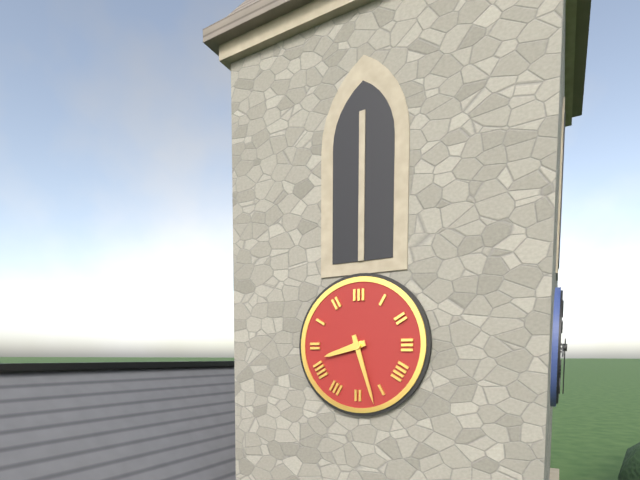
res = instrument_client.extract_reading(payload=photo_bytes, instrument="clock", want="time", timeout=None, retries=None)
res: 8:27
